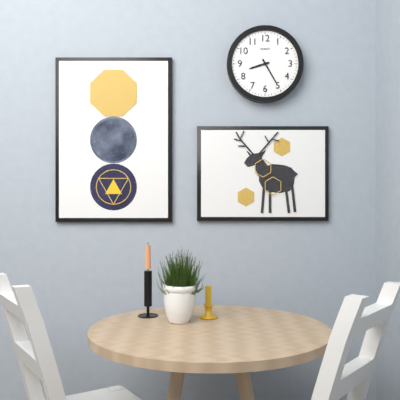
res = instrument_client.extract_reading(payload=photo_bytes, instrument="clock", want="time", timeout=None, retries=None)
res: 8:25
